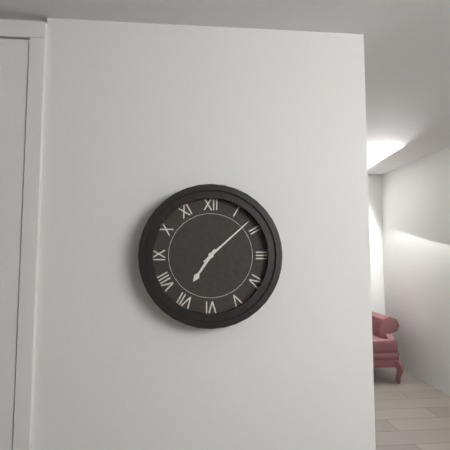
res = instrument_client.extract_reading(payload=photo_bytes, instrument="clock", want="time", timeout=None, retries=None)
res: 7:08
